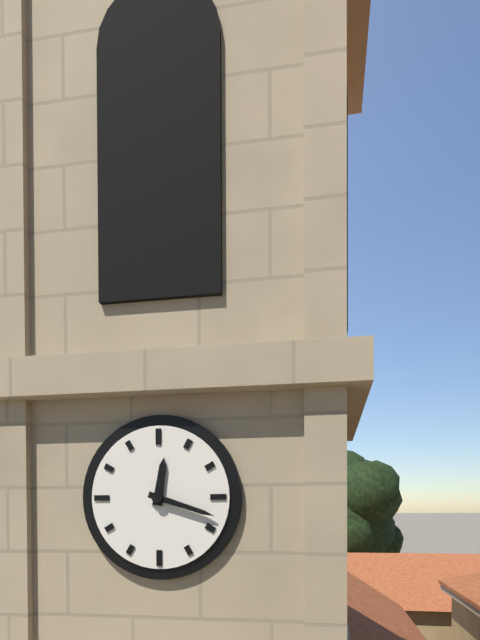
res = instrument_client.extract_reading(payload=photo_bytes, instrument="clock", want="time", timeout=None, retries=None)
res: 12:18
